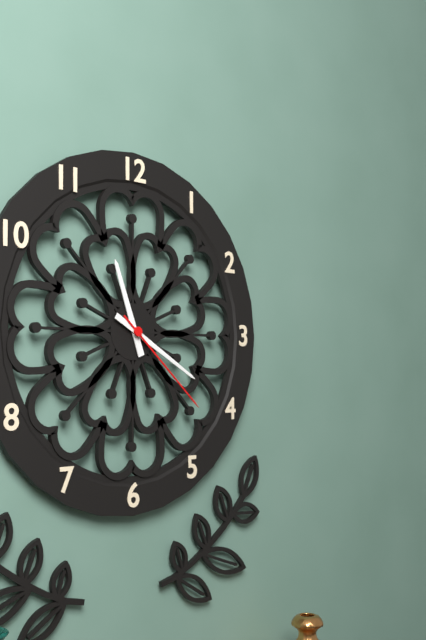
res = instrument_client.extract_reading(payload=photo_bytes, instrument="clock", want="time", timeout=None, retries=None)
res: 11:20:22
